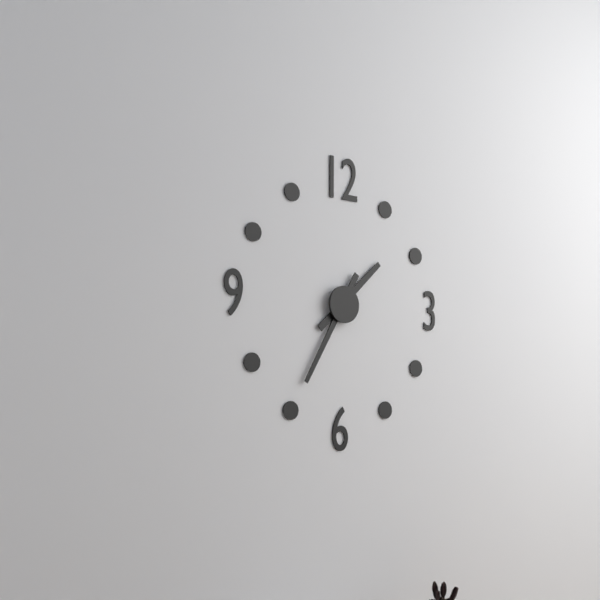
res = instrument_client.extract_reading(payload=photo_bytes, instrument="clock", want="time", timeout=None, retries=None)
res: 1:35
